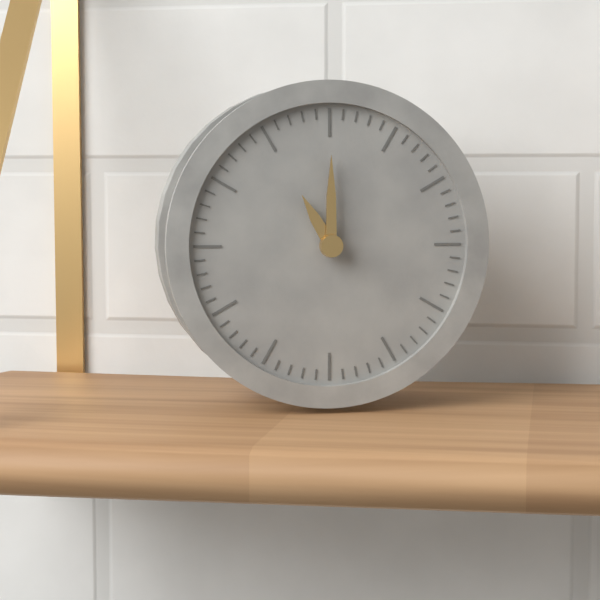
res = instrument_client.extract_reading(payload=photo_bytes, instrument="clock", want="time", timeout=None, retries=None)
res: 11:00
